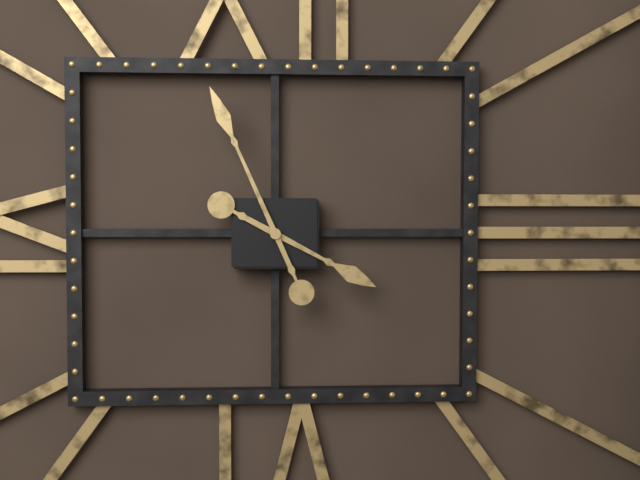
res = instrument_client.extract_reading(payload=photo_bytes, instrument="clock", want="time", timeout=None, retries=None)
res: 3:56
